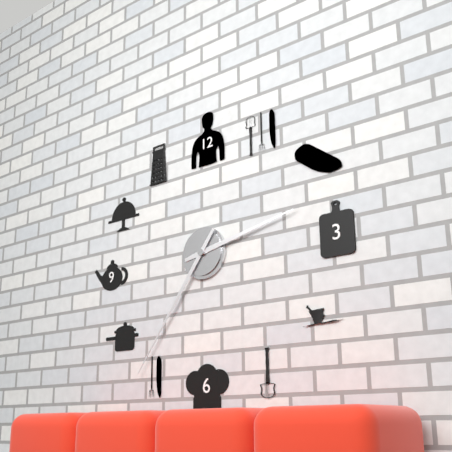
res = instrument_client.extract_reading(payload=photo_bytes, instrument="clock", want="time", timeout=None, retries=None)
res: 2:36
